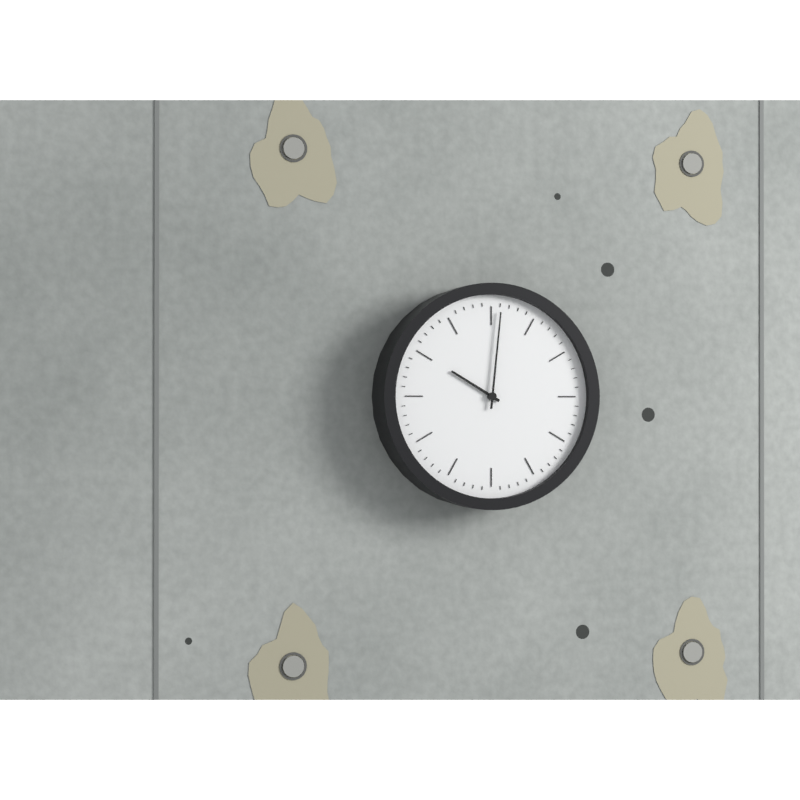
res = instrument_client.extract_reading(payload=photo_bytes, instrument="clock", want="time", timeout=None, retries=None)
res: 10:01
